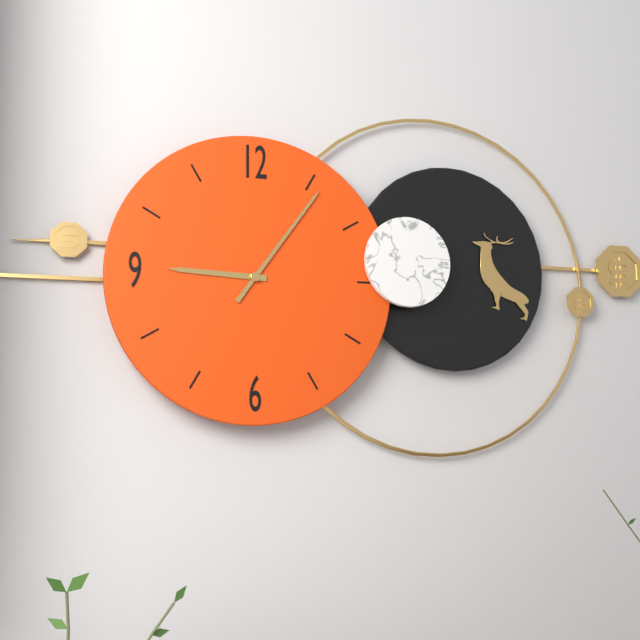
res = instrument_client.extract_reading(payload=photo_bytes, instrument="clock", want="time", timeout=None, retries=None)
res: 9:06
